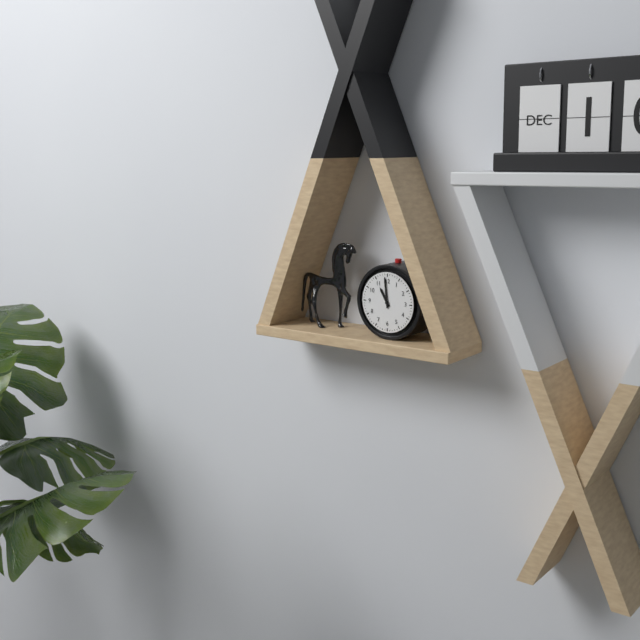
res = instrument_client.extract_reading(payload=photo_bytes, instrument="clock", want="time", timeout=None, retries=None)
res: 10:59
